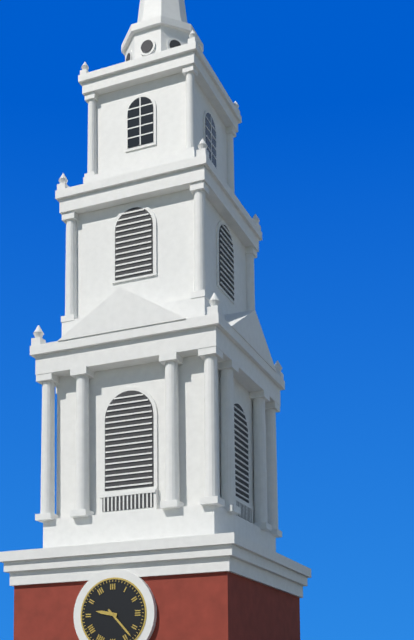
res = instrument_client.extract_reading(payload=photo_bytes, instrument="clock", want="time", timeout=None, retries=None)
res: 9:23
